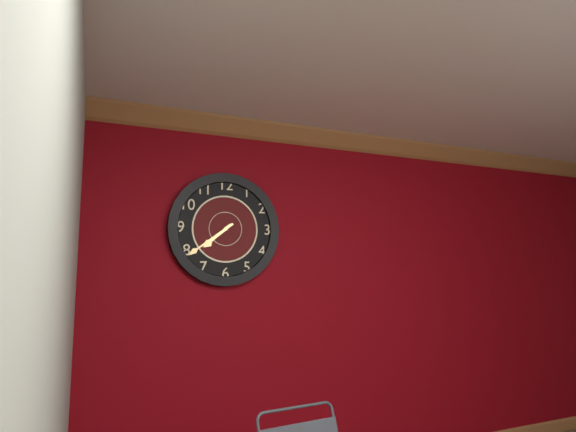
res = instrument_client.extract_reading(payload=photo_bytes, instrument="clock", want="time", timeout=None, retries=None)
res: 7:39
